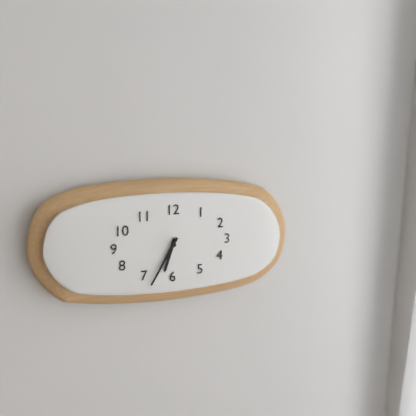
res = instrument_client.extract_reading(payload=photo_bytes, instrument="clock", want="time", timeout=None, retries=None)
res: 6:35
